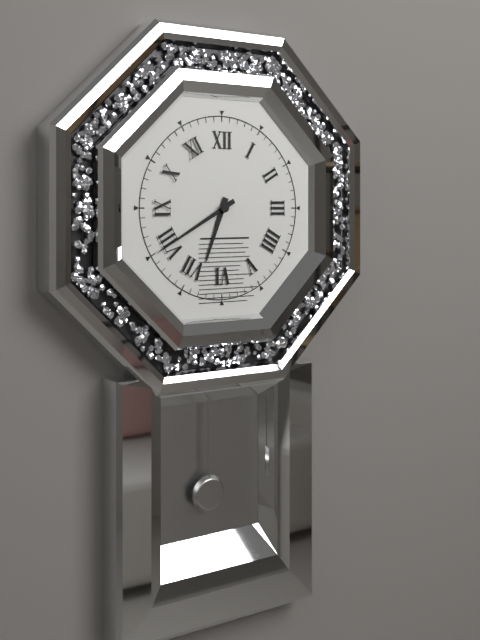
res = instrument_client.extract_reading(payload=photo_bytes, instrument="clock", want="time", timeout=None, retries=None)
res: 6:40
